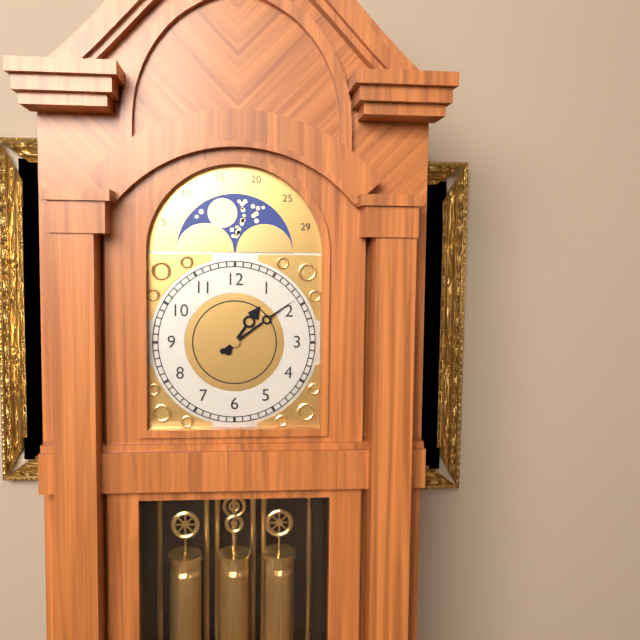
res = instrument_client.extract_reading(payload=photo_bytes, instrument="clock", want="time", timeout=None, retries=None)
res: 1:09
